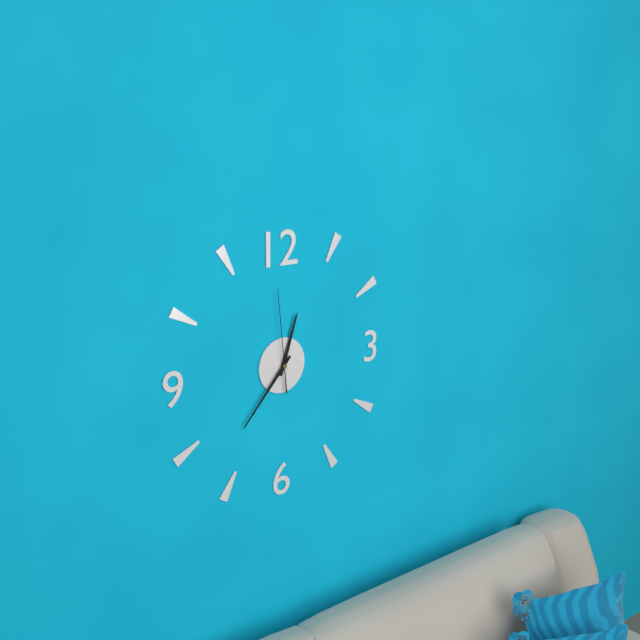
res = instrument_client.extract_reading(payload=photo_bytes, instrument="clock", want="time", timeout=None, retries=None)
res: 12:37:59
